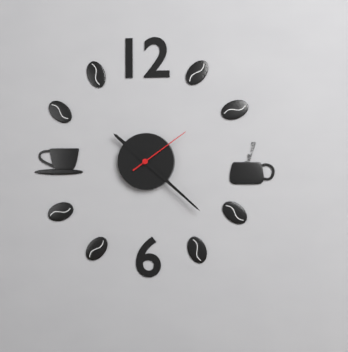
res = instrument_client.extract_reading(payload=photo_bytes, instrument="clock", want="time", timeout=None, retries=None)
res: 10:22:09
